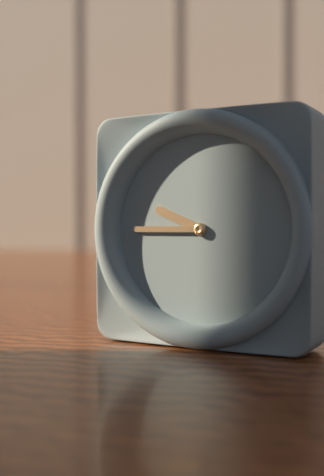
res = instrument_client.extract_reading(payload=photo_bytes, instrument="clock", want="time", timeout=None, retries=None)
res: 9:45
